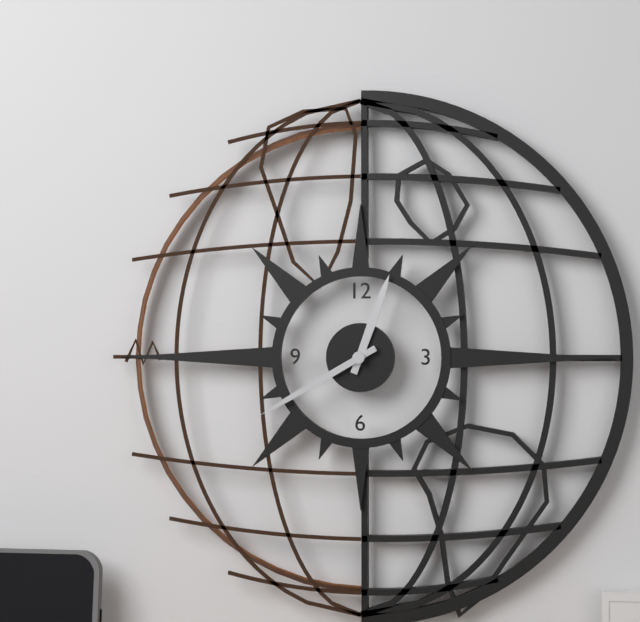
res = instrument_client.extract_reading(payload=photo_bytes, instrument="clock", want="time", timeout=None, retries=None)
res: 12:40
